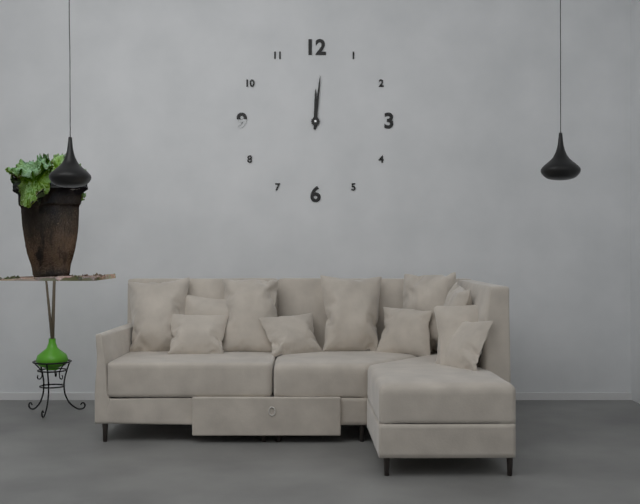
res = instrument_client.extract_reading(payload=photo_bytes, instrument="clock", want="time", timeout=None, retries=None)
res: 12:01
